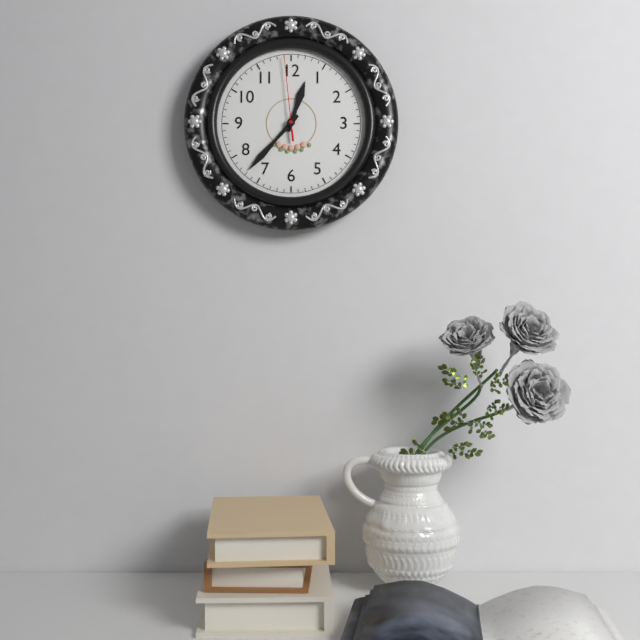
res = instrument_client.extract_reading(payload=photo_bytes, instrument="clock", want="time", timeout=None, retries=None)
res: 12:37:59
